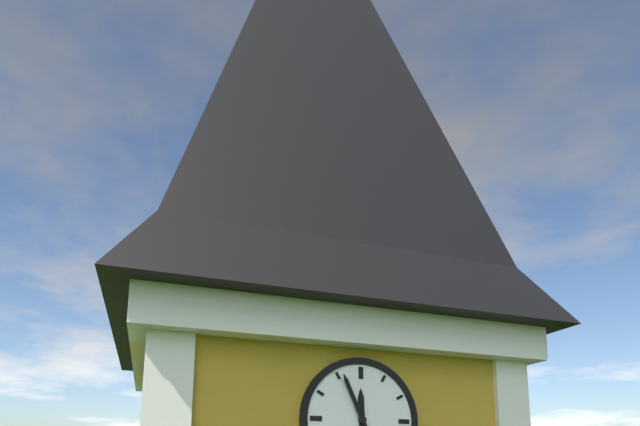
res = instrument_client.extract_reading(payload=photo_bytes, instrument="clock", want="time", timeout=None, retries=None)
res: 11:56
